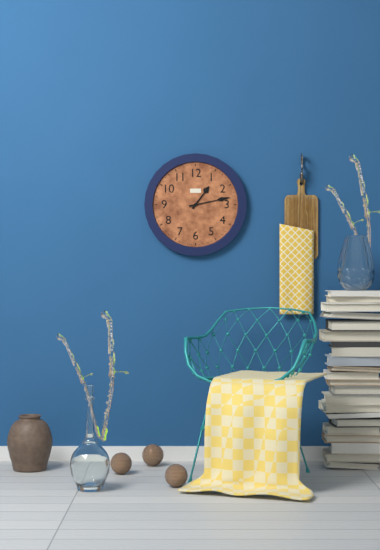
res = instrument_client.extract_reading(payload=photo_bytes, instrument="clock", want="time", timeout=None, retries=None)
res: 1:13
